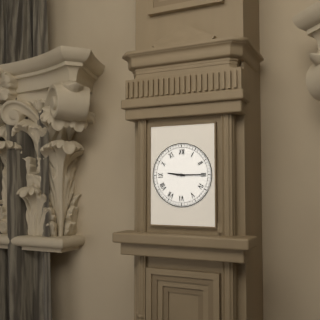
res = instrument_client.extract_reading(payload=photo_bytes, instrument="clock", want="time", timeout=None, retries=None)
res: 9:15
